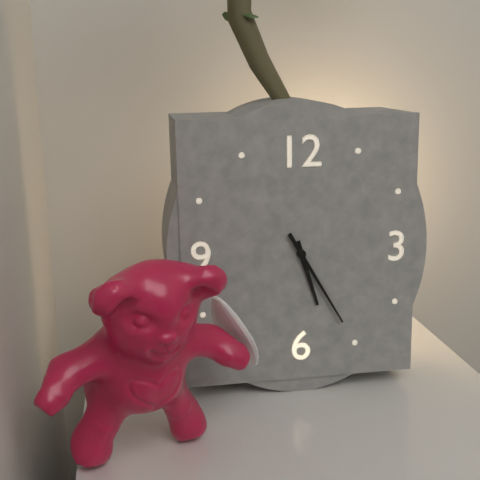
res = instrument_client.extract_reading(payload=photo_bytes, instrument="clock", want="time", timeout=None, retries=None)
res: 5:25
